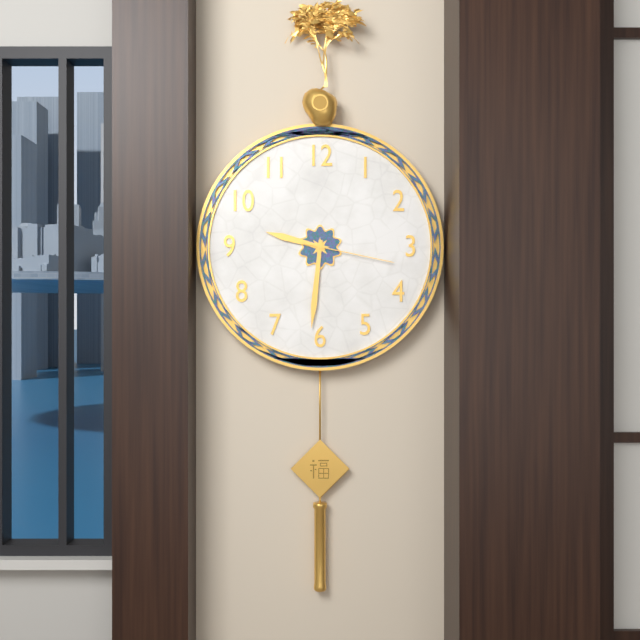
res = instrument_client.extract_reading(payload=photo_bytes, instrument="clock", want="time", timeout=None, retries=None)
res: 9:31:17
